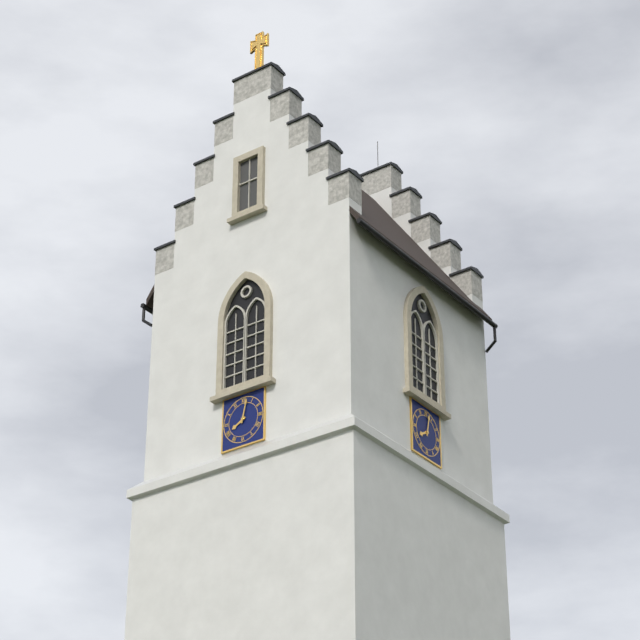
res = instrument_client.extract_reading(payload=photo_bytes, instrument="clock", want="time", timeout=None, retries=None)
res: 8:02
